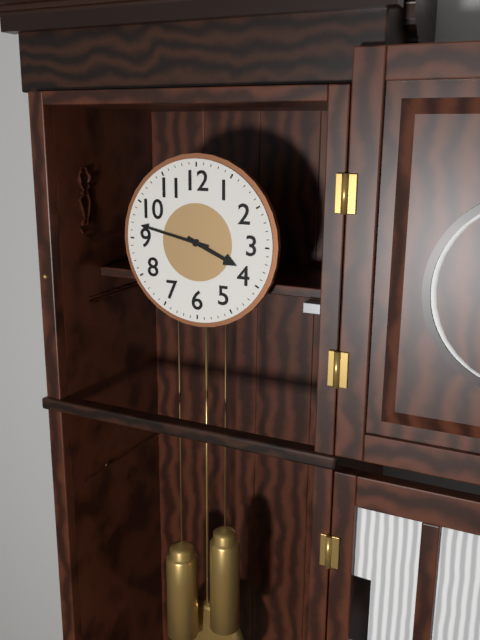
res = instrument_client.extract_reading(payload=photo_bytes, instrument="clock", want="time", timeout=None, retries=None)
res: 3:47
